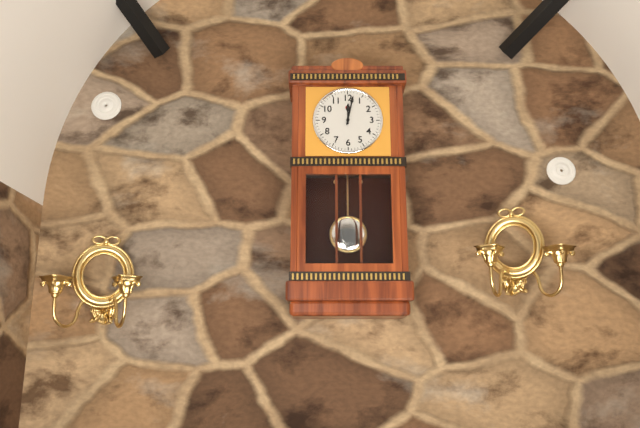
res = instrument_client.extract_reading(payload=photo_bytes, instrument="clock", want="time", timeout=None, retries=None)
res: 12:02
